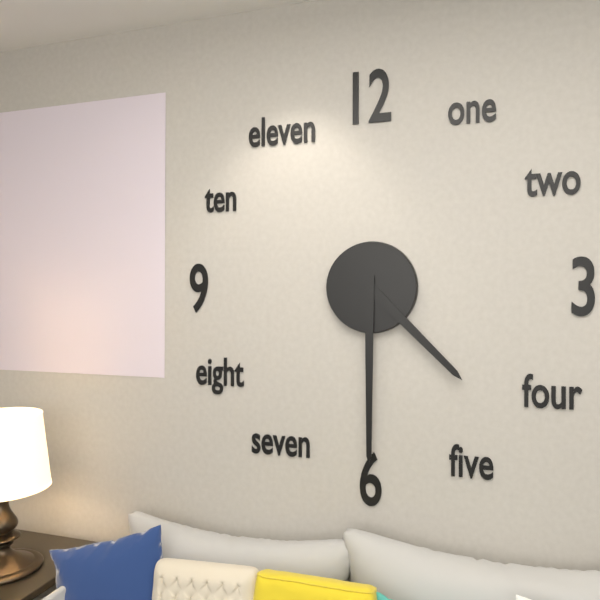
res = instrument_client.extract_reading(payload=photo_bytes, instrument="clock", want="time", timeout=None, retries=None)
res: 4:30
